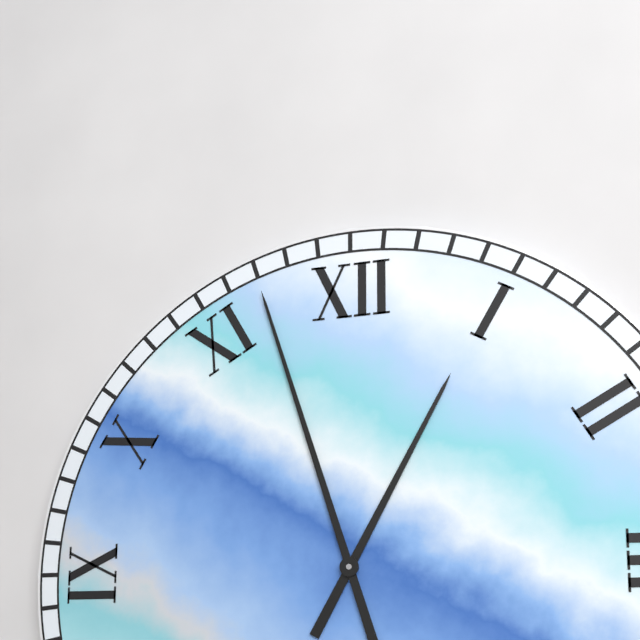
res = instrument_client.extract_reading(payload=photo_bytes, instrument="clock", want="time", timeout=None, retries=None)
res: 12:57
